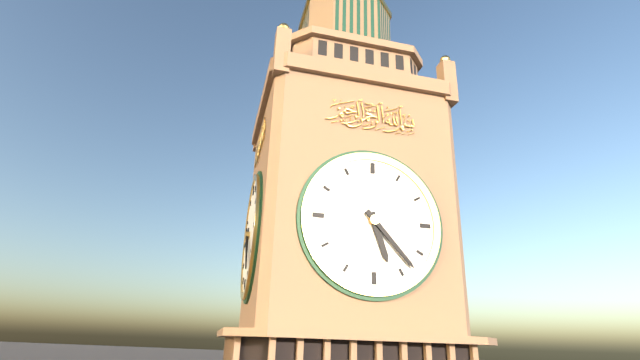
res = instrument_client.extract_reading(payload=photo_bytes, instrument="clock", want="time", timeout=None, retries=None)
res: 5:23
